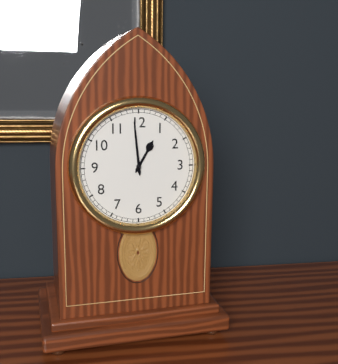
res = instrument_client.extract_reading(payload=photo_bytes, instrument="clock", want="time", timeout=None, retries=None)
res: 12:59
